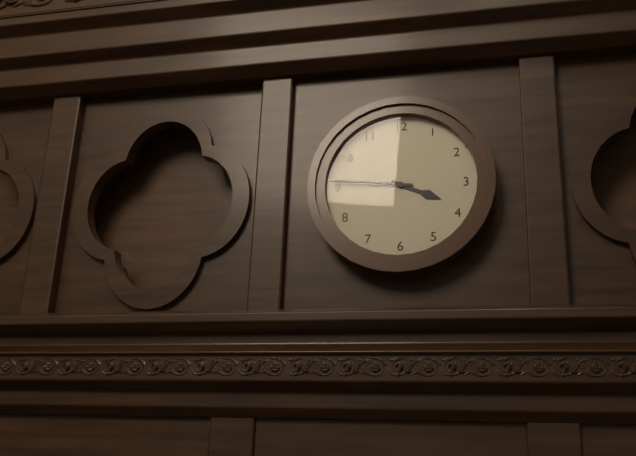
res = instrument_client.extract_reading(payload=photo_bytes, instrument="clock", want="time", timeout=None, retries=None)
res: 3:46
